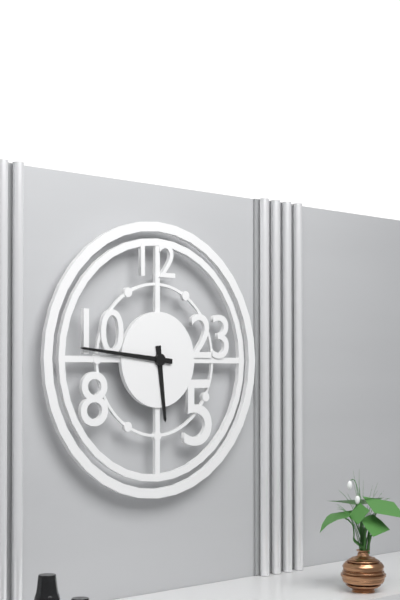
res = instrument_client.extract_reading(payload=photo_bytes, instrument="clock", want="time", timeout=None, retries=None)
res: 5:46
